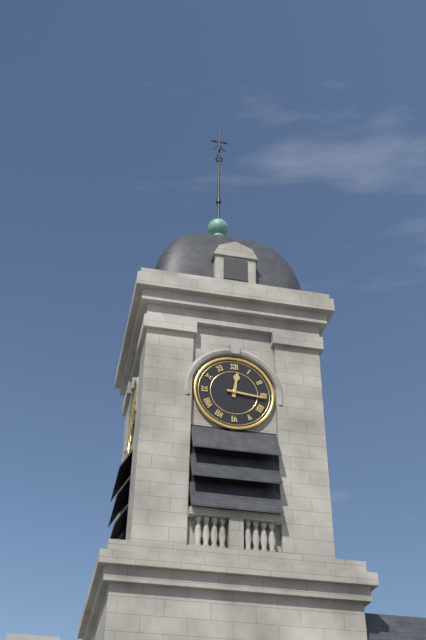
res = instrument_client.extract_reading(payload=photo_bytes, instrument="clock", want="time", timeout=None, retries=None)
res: 12:16
